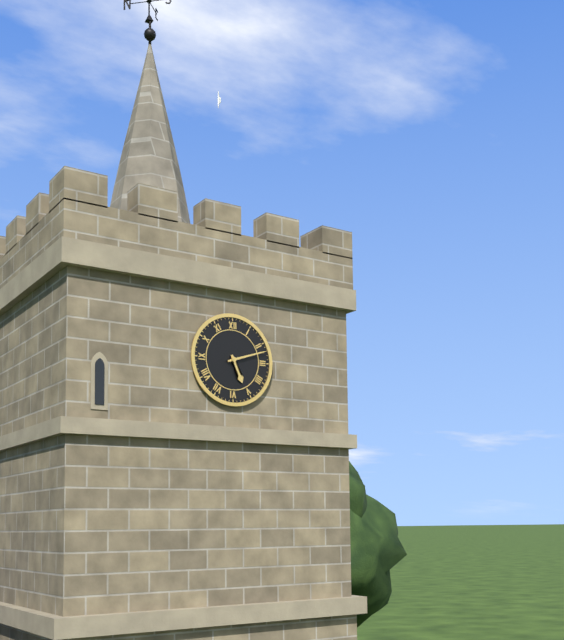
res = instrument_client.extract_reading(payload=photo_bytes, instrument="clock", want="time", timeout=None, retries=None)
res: 5:12
